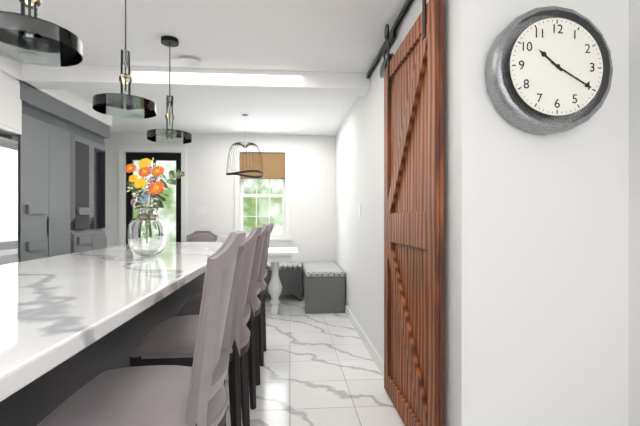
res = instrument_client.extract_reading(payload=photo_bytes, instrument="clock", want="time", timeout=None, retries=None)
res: 10:20
